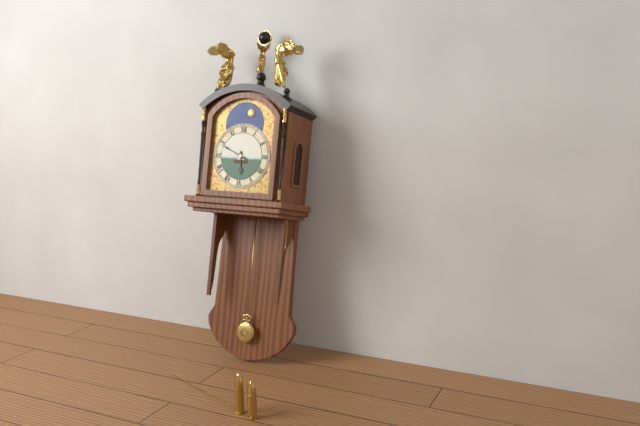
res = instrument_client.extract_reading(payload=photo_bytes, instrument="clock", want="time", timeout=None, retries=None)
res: 5:49
